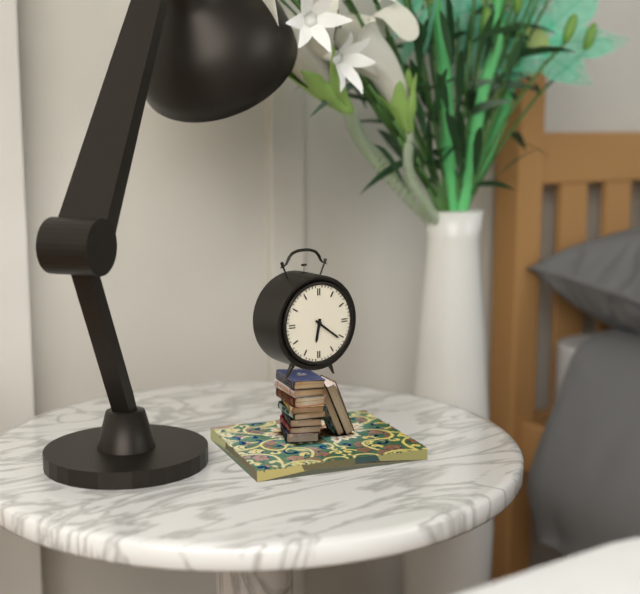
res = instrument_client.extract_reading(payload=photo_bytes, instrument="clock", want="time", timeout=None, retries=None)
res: 6:21
